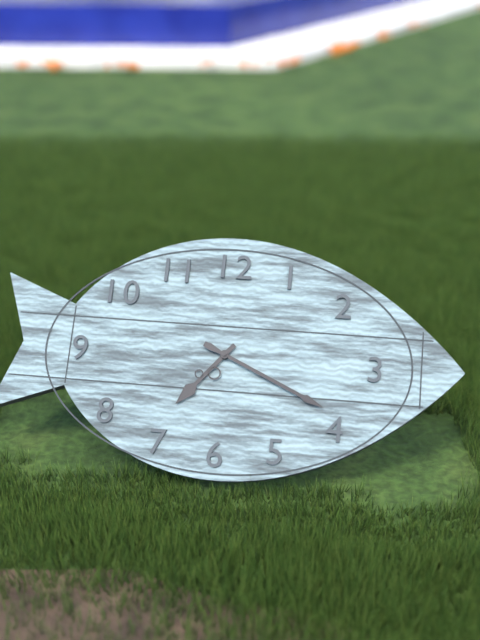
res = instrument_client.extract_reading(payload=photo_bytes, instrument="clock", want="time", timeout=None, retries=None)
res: 7:19
